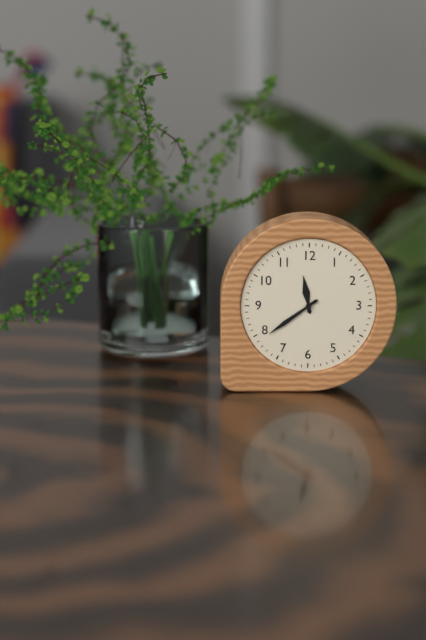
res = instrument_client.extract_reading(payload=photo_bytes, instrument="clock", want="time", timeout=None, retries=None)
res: 11:39
